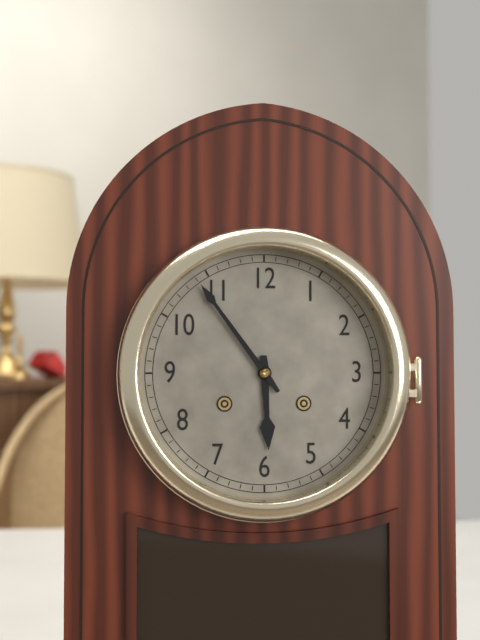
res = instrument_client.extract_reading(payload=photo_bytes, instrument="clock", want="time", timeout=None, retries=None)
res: 5:54
